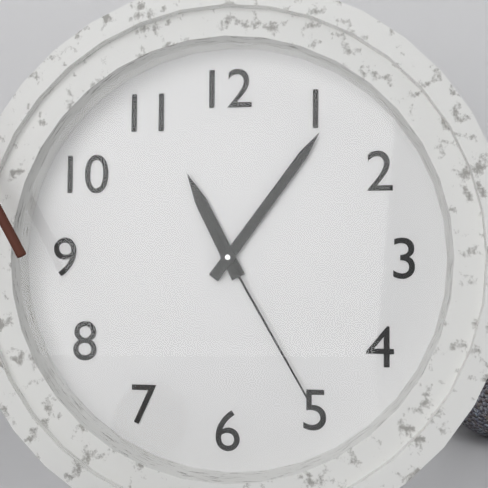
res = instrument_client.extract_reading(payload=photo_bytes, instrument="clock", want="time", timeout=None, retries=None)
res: 11:06:25
